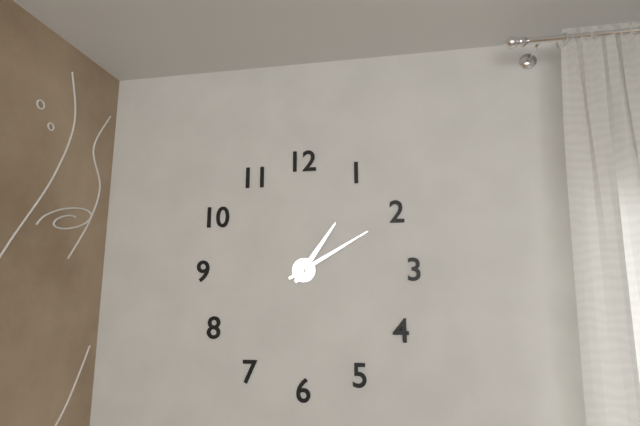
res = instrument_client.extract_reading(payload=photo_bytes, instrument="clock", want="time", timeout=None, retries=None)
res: 1:10
